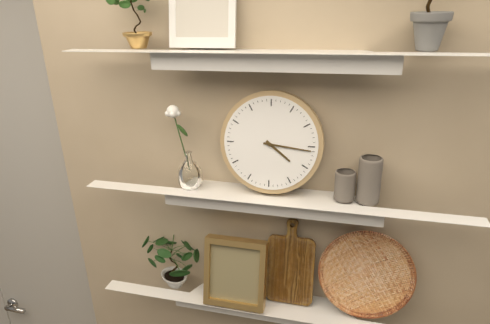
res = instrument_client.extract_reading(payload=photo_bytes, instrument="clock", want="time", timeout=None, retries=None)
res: 4:16
